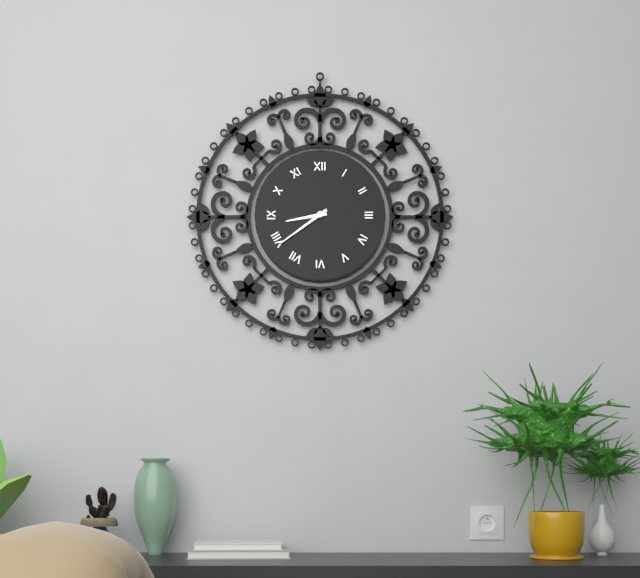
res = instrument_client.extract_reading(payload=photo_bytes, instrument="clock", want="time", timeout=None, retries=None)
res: 8:39
